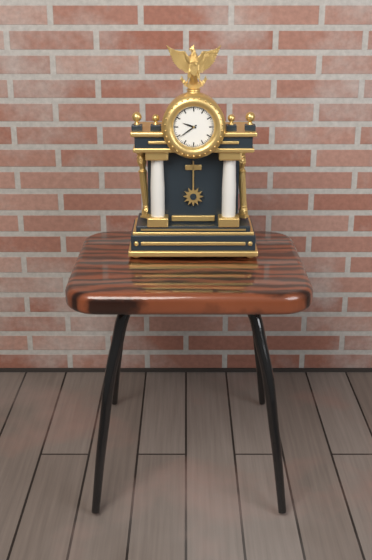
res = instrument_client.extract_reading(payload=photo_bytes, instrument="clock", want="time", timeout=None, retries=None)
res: 9:39
